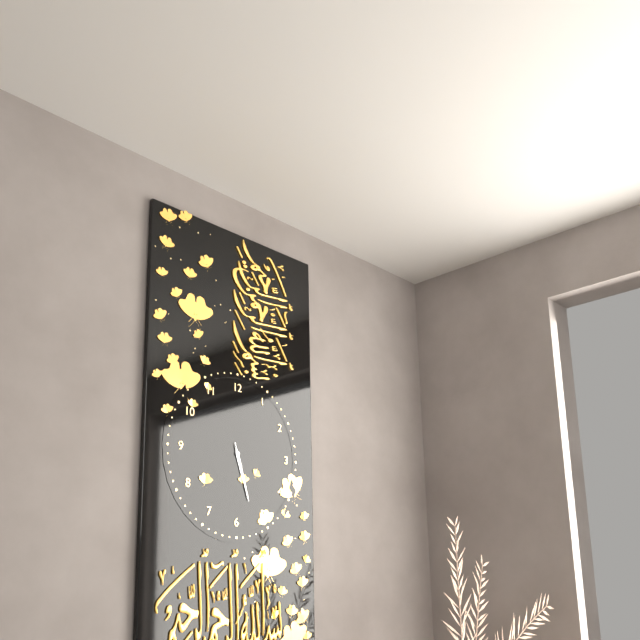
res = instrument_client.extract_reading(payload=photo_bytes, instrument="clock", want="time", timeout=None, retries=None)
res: 5:27:27
